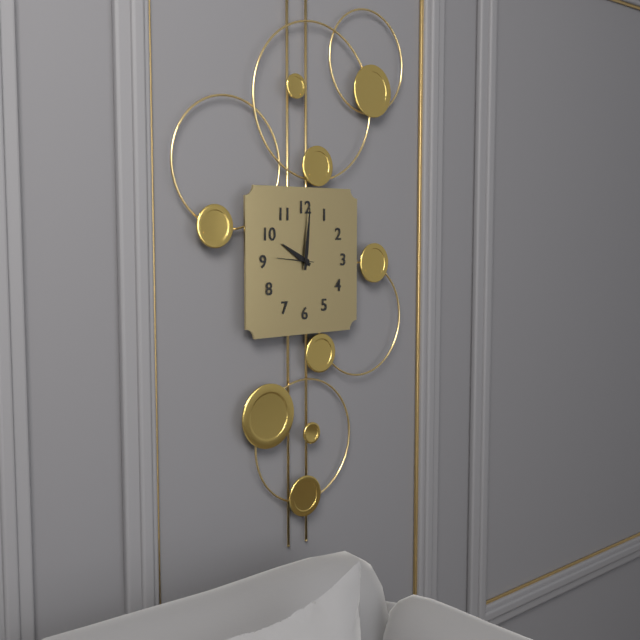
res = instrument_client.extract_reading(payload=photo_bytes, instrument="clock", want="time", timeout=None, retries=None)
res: 10:01
